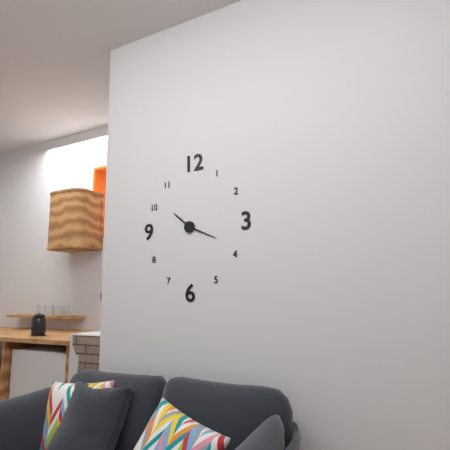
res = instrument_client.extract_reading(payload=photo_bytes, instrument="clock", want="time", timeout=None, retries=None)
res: 10:19
